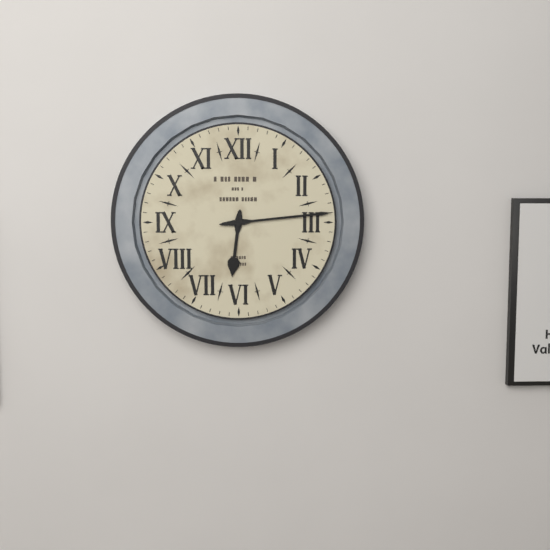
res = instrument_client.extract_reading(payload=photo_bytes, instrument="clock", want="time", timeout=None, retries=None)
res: 6:14
